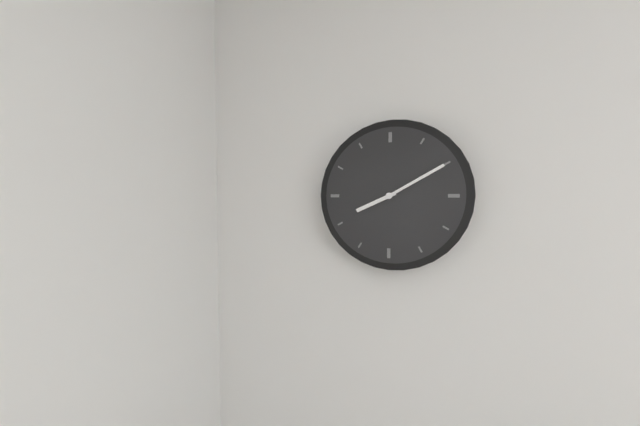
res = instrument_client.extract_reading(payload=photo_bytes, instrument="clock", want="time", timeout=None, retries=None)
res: 8:10
